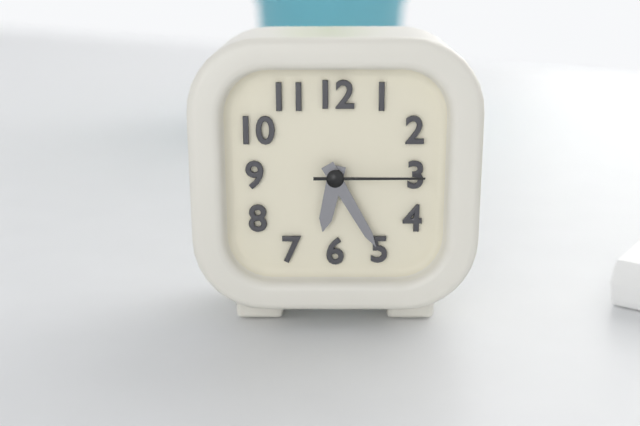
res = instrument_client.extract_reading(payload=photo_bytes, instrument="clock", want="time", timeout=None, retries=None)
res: 6:25:15
